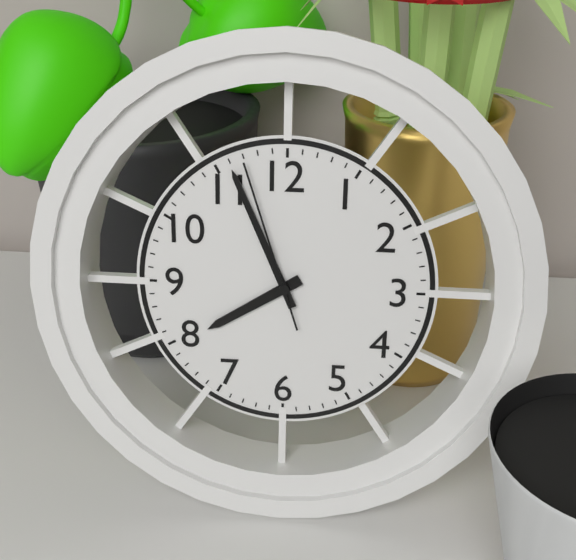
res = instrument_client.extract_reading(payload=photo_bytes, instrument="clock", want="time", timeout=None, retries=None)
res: 7:56:57
